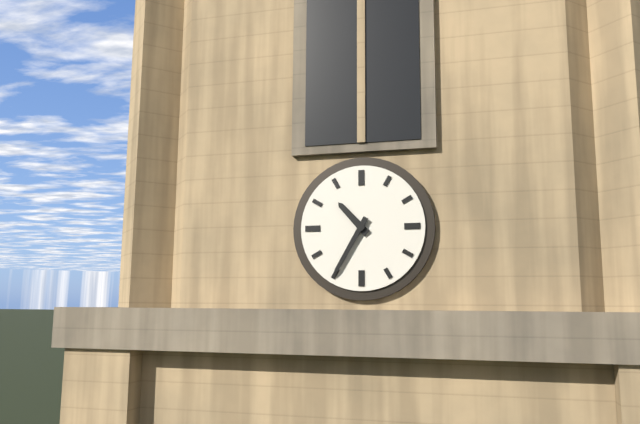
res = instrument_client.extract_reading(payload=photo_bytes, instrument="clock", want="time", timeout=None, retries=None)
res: 10:35
